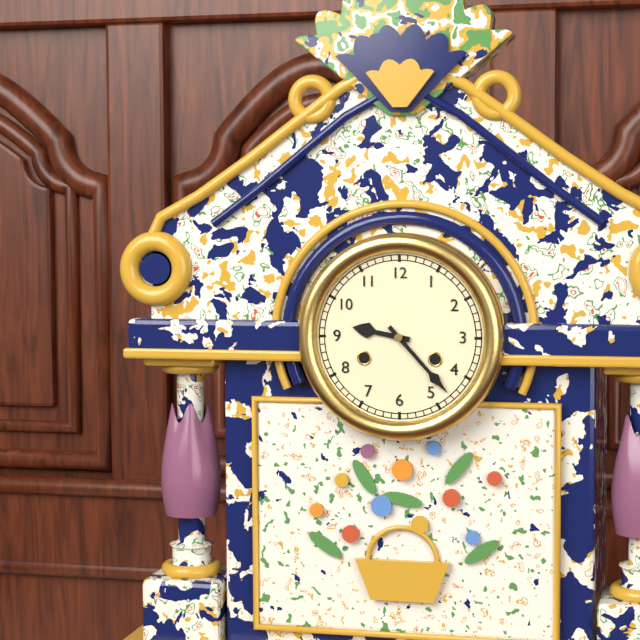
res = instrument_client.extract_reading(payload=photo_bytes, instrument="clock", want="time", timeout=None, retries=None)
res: 9:23
